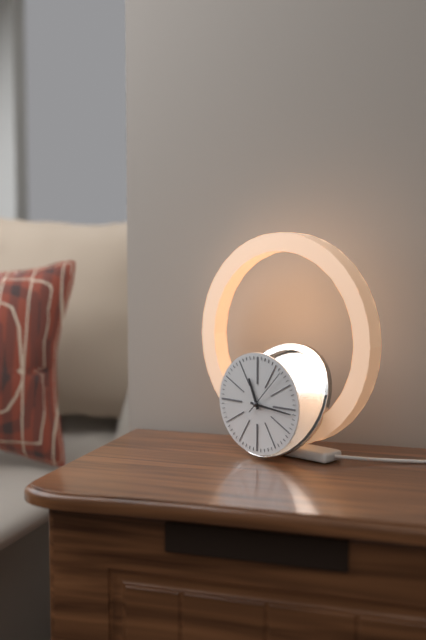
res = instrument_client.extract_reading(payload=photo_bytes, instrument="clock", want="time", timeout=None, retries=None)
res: 11:16:07
